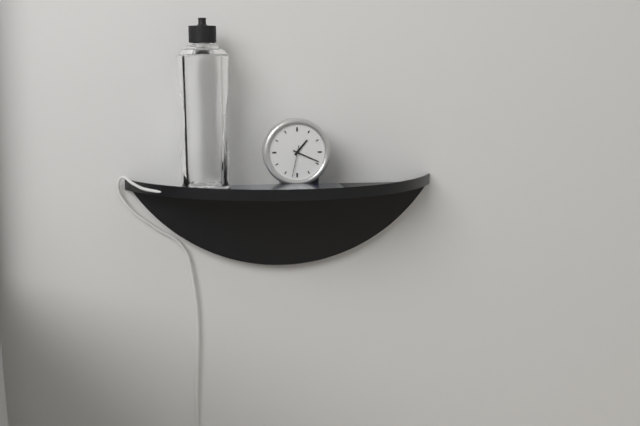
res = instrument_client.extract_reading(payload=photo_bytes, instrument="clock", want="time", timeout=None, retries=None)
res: 1:19
